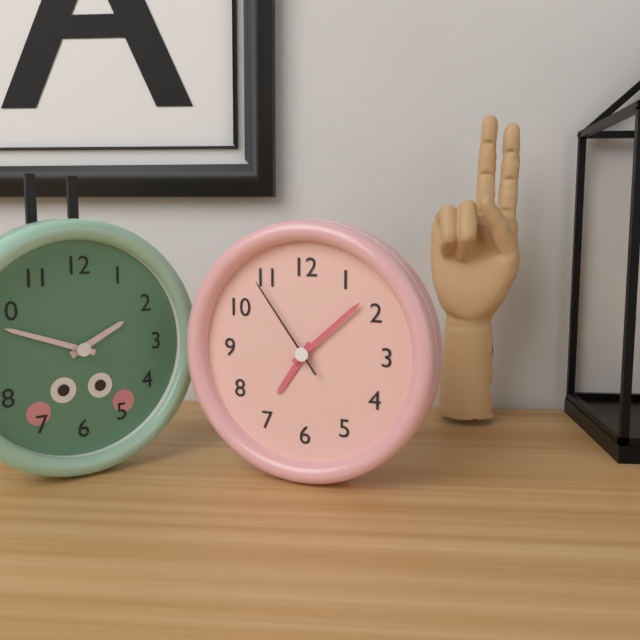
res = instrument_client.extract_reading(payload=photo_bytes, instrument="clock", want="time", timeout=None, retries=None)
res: 7:08:54
